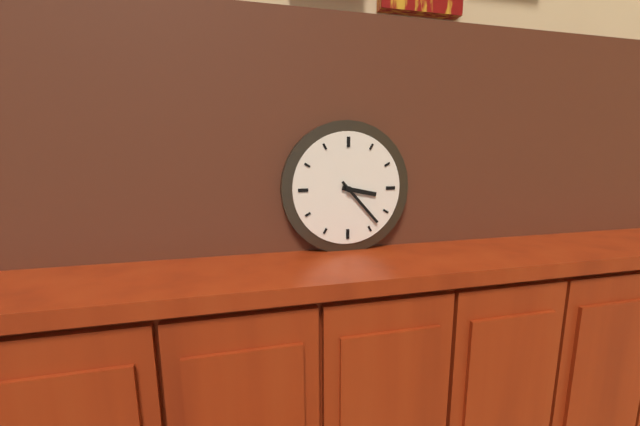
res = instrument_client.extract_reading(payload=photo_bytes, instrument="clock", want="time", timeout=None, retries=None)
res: 3:23
